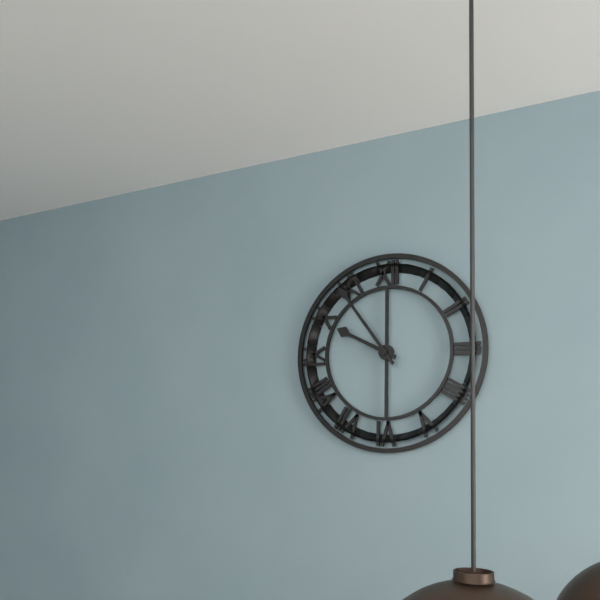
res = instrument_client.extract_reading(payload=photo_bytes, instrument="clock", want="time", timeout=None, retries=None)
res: 9:54
